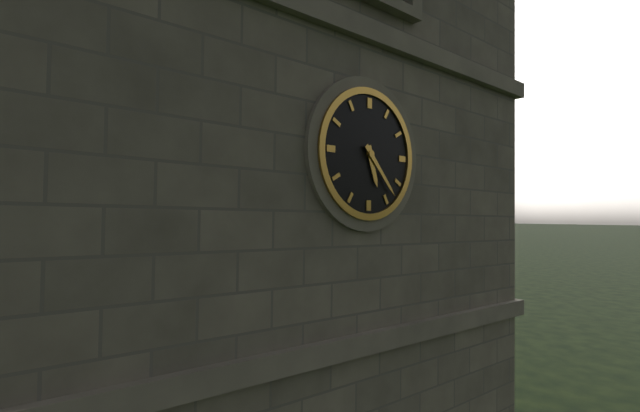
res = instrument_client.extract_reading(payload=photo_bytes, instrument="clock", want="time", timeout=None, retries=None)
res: 5:23
